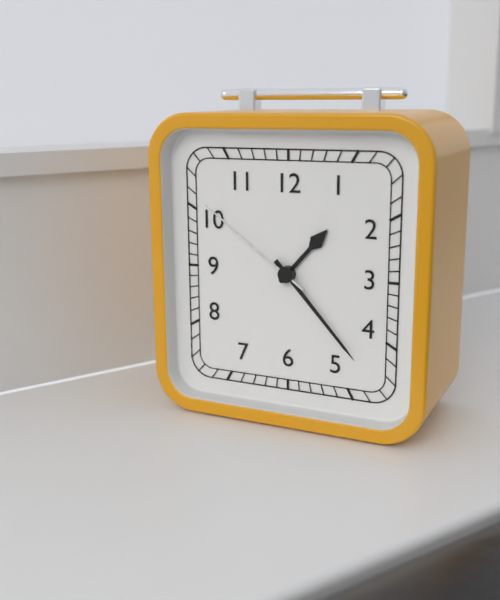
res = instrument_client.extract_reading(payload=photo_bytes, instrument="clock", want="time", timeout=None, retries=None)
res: 1:23:51
